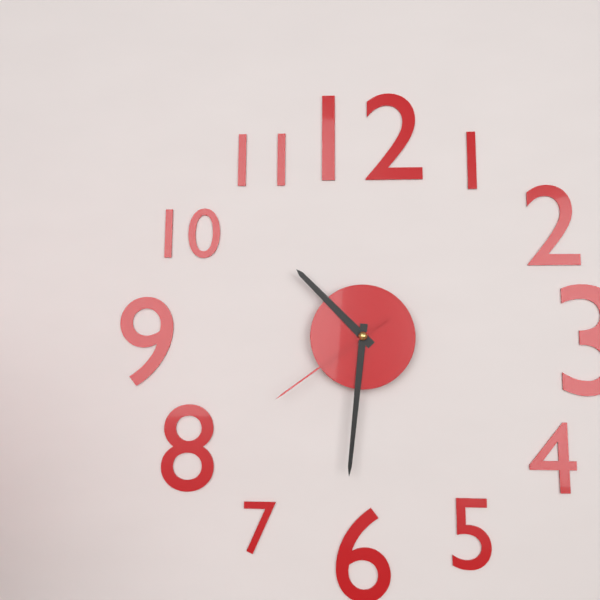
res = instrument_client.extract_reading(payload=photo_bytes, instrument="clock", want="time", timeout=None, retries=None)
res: 10:31:39
